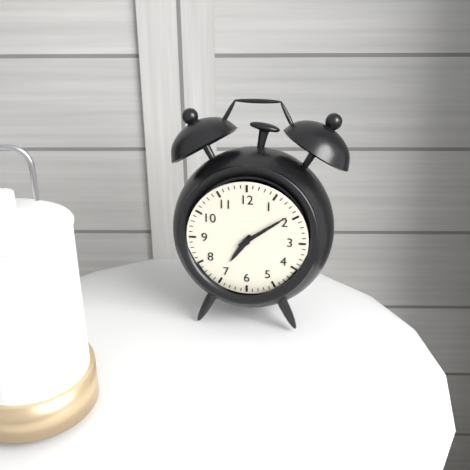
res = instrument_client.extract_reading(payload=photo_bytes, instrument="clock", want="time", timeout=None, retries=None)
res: 7:09
